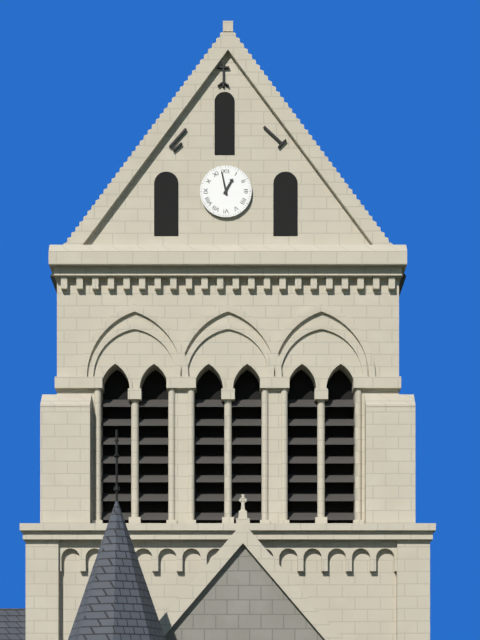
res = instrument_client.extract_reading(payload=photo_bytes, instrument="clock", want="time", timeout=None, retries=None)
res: 12:58
